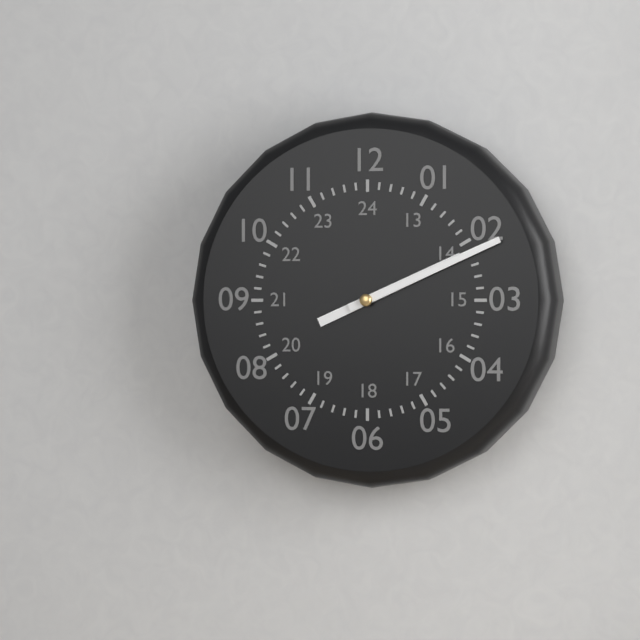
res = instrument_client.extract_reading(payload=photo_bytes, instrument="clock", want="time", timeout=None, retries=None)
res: 2:11
